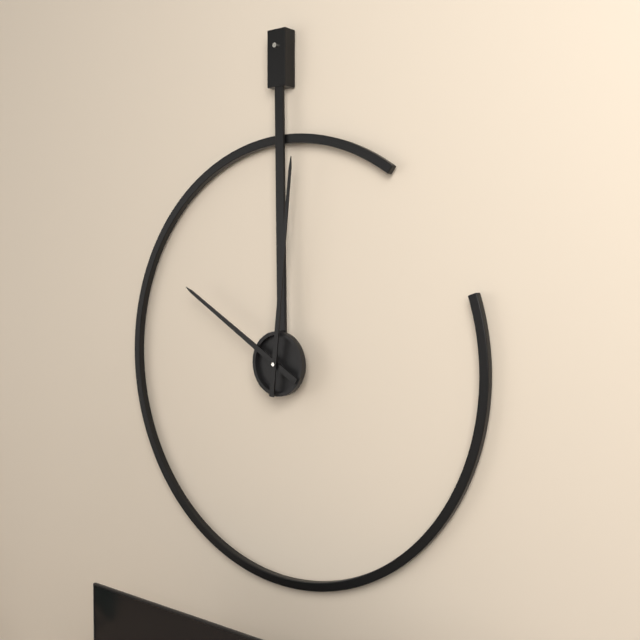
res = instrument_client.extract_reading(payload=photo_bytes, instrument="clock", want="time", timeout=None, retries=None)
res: 10:01
